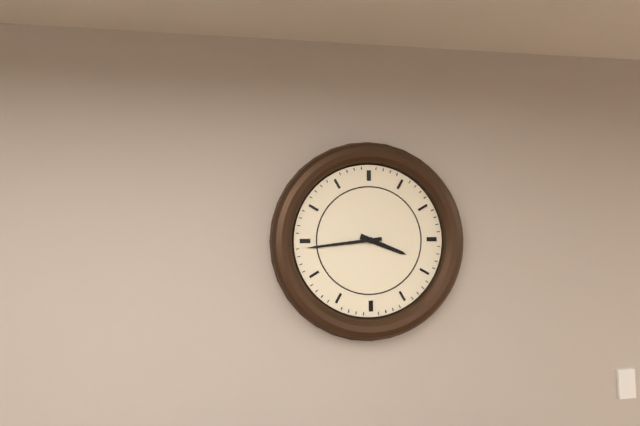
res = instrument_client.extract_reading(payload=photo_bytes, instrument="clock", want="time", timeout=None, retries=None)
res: 3:44
